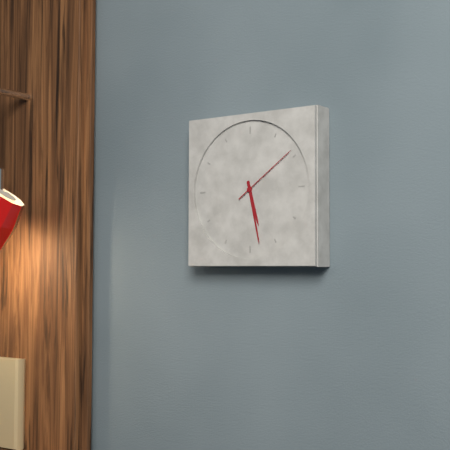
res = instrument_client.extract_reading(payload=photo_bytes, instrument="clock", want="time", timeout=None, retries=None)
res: 5:28:09
